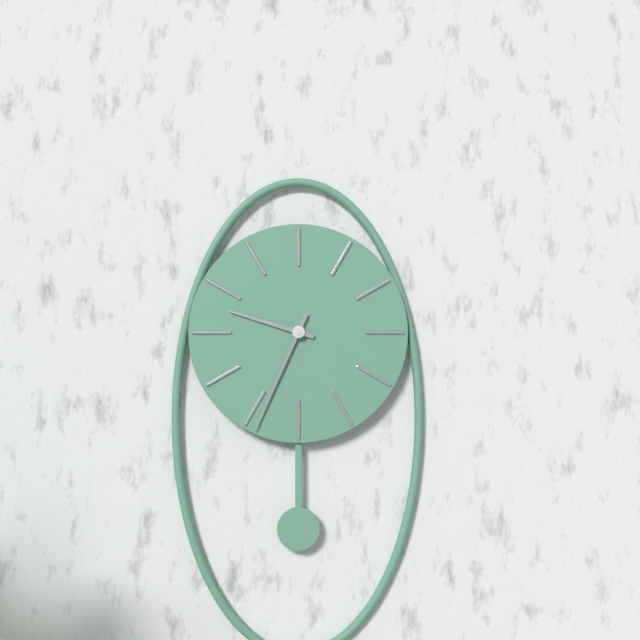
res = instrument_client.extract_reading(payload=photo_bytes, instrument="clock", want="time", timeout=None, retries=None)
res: 9:34
